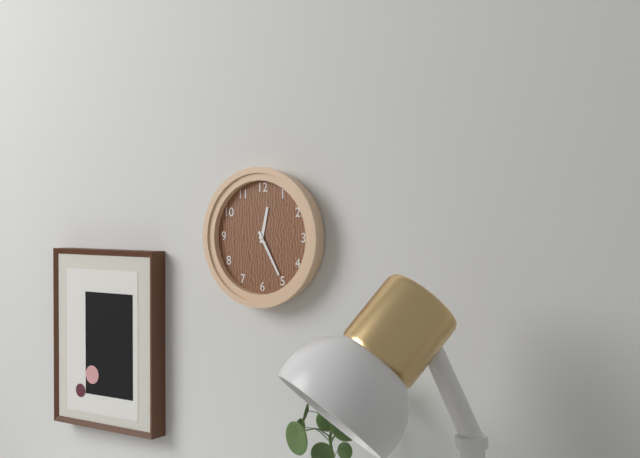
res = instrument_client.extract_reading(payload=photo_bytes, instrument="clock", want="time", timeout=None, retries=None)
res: 12:25
